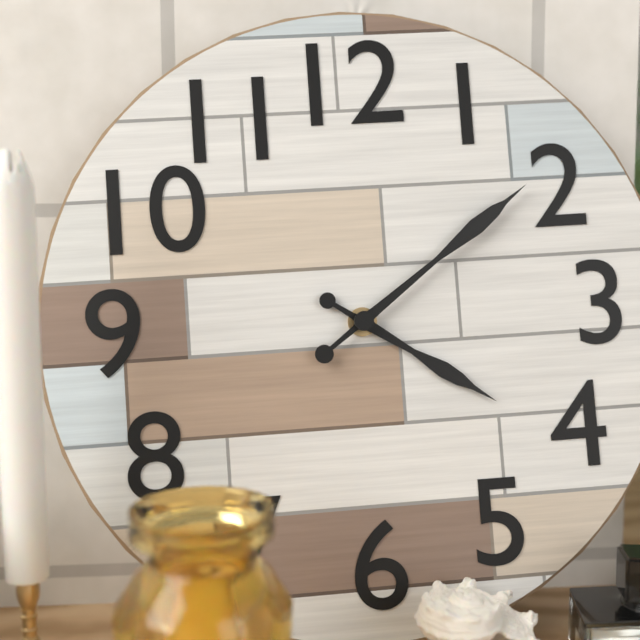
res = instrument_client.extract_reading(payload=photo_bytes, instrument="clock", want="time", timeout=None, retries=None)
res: 4:09
